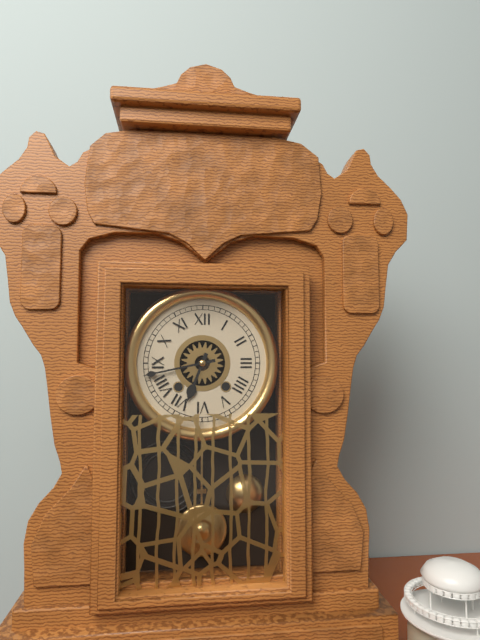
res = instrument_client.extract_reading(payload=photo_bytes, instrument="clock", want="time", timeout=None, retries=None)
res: 6:43
